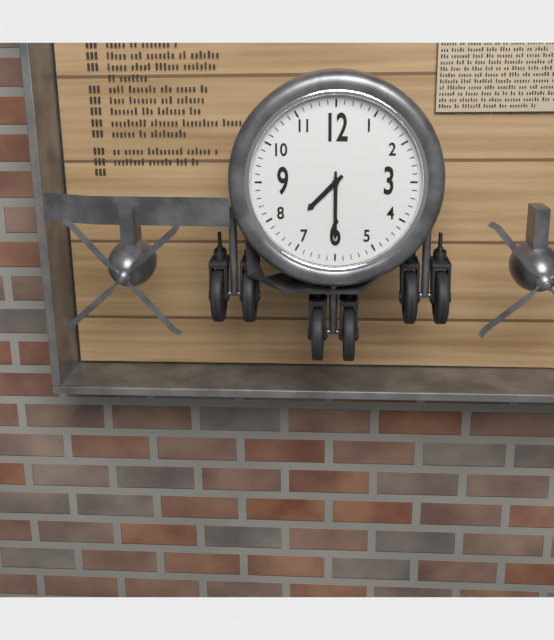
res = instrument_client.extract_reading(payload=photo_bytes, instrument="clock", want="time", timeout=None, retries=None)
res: 7:30
